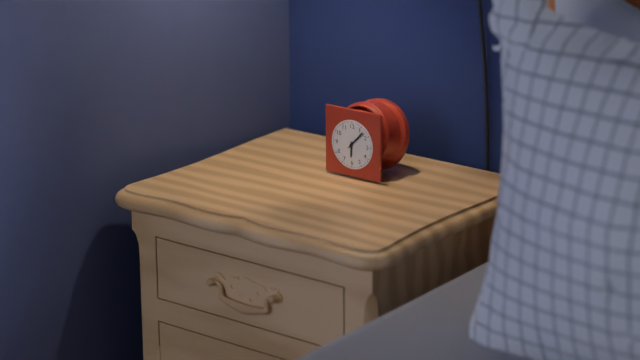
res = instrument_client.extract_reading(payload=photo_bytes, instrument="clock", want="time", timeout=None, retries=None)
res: 6:07
